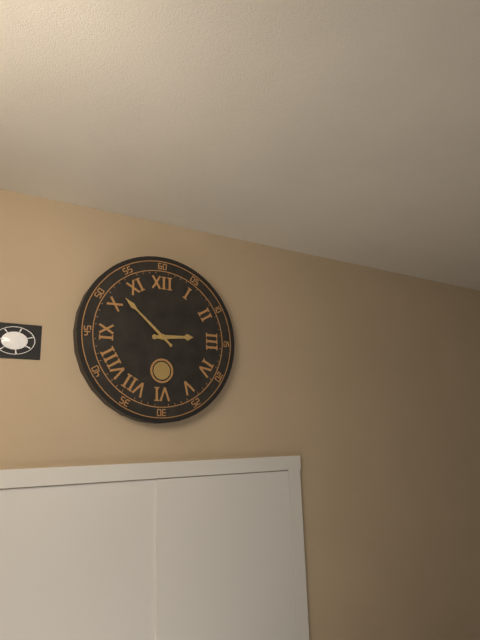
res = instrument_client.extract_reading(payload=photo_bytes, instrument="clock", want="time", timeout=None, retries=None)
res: 2:52
